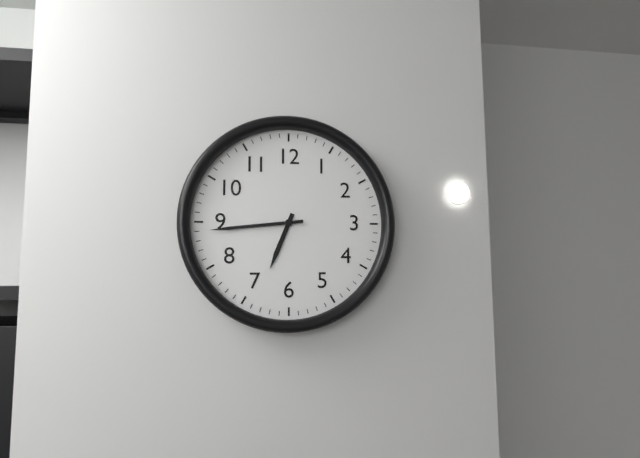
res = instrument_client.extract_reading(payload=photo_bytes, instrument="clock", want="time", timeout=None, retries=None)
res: 6:44
